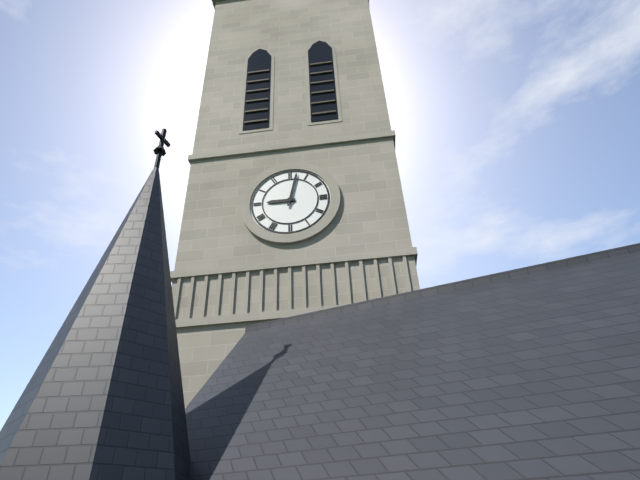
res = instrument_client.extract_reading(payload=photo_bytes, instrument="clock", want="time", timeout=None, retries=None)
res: 9:02
